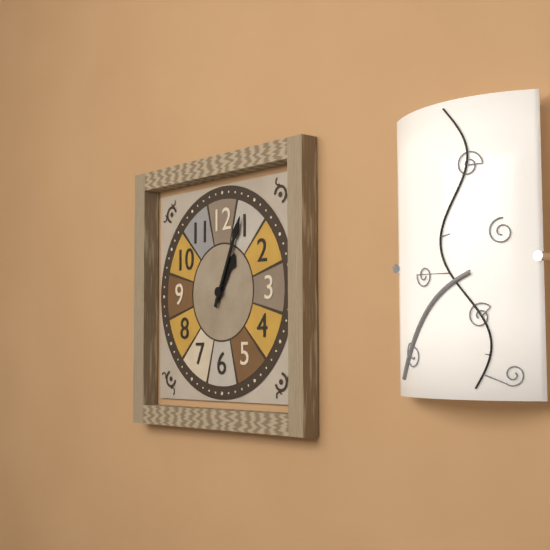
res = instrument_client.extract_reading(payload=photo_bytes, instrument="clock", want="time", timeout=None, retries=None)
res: 1:04
